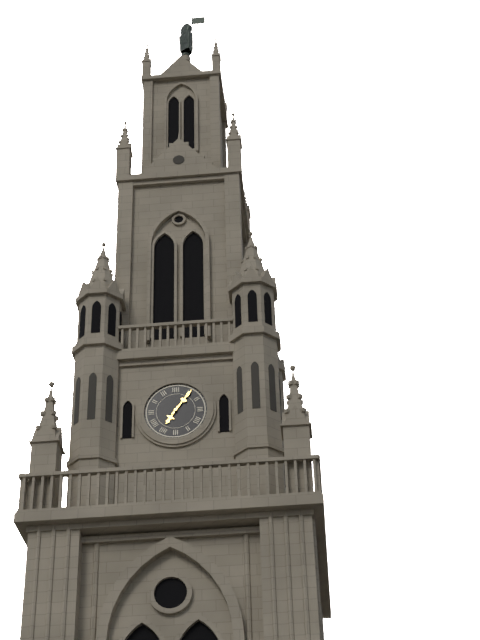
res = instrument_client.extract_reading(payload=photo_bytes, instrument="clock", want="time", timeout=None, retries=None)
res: 7:06
